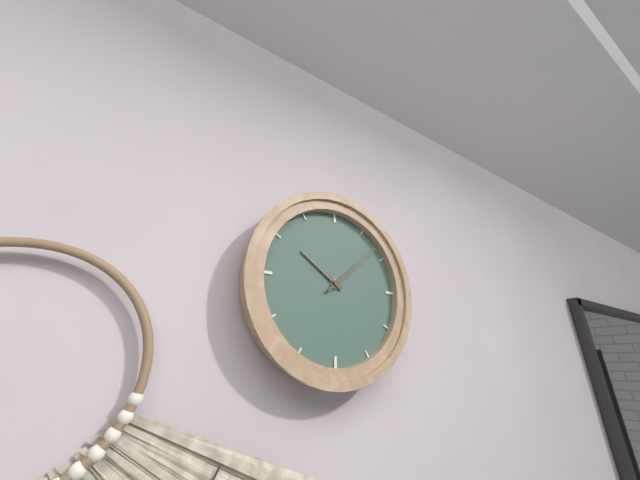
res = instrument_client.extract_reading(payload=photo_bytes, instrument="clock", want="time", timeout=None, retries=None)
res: 10:08
